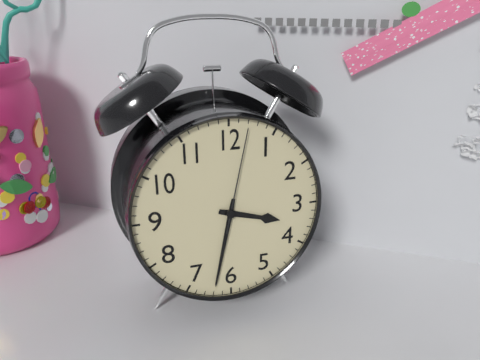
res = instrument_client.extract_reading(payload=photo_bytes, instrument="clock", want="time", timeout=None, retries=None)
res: 3:32:02
